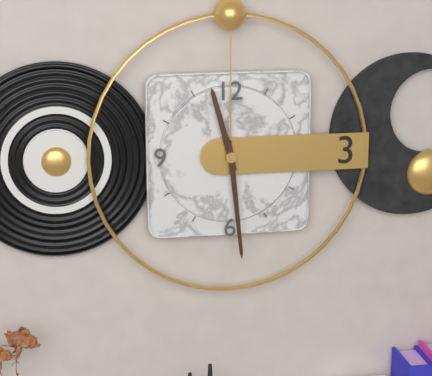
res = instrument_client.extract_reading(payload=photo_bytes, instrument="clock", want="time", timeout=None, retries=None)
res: 11:29
